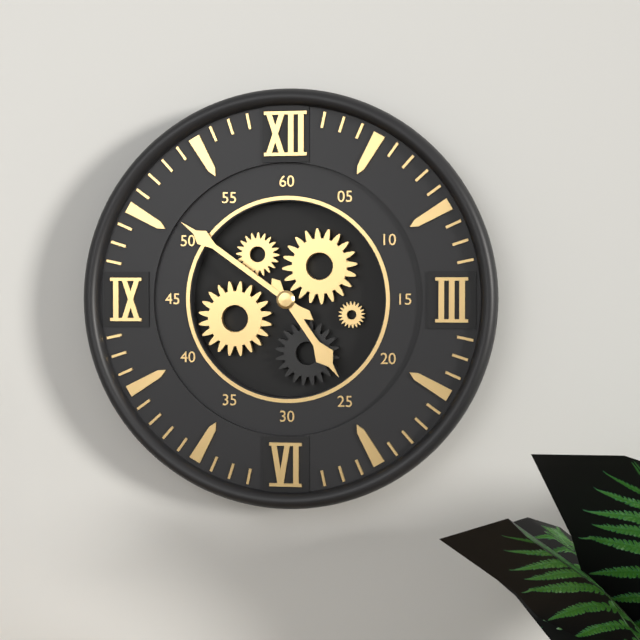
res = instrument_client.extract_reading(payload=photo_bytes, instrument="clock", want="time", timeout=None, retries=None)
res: 4:51
